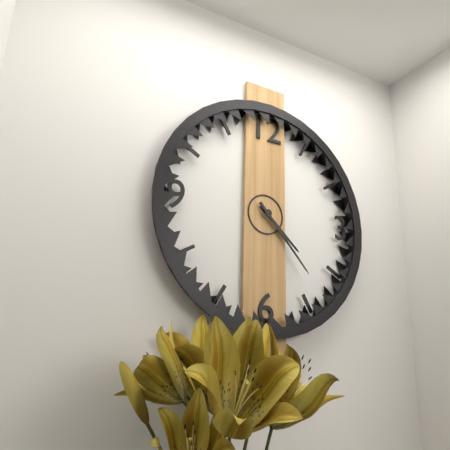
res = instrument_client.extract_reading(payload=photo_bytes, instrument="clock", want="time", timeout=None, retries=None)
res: 4:23
